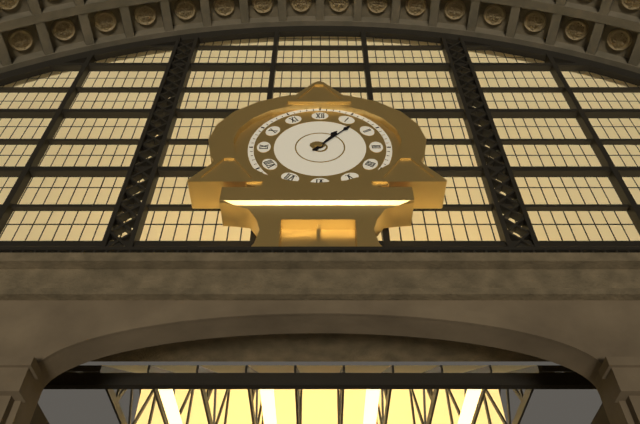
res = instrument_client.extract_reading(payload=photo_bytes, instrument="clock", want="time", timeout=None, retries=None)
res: 1:07
